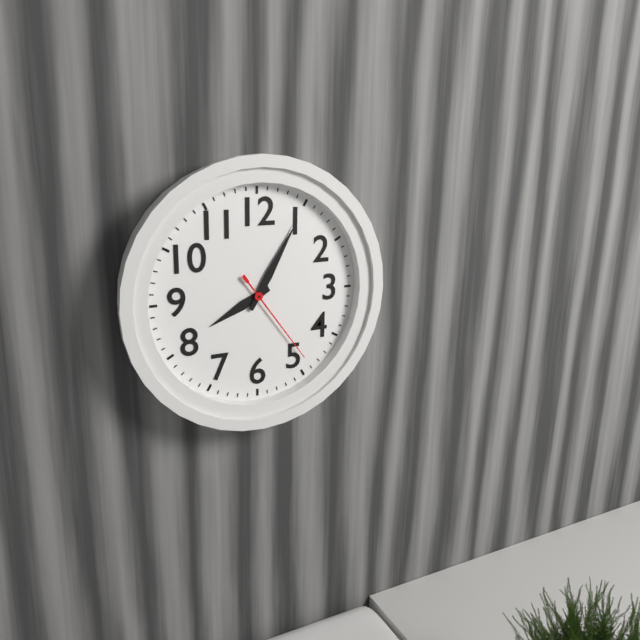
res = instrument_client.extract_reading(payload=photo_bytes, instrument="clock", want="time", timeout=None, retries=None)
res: 8:05:24
